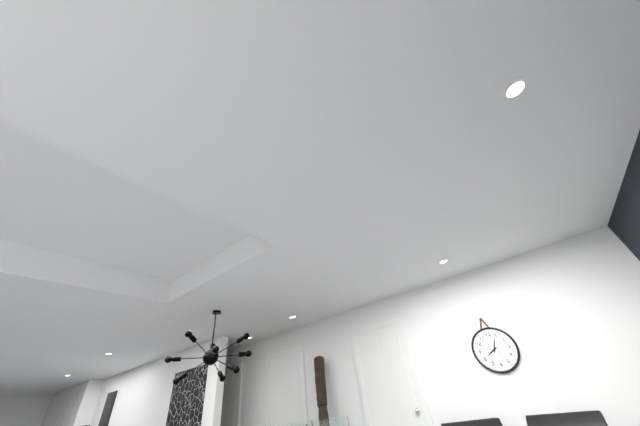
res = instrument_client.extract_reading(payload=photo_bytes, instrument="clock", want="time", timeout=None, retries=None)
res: 8:04
